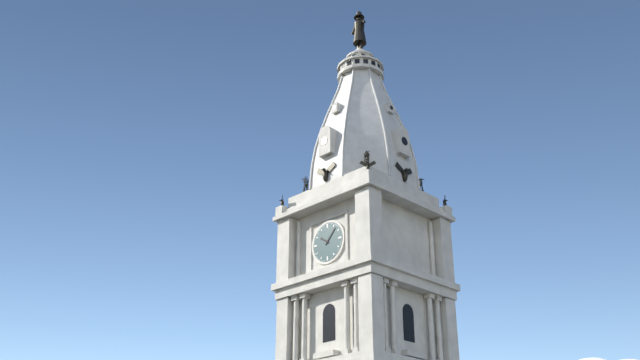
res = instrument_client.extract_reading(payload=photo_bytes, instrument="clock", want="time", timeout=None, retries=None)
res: 10:07
